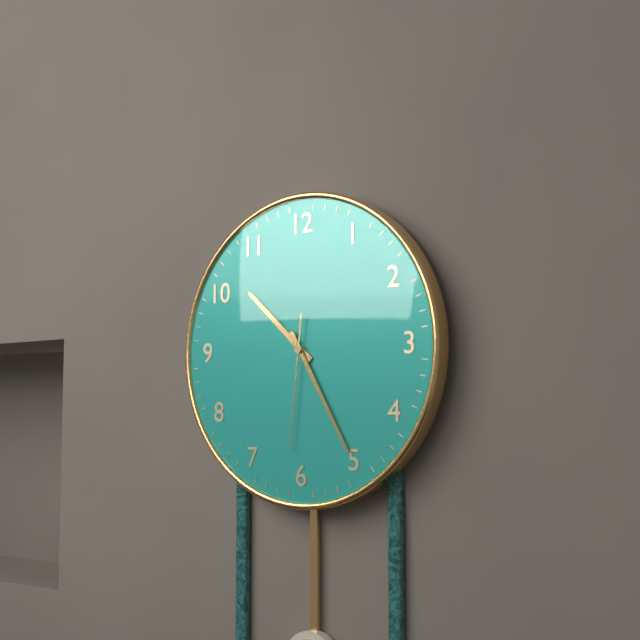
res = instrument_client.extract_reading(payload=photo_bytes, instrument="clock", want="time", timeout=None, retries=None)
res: 10:25:31
